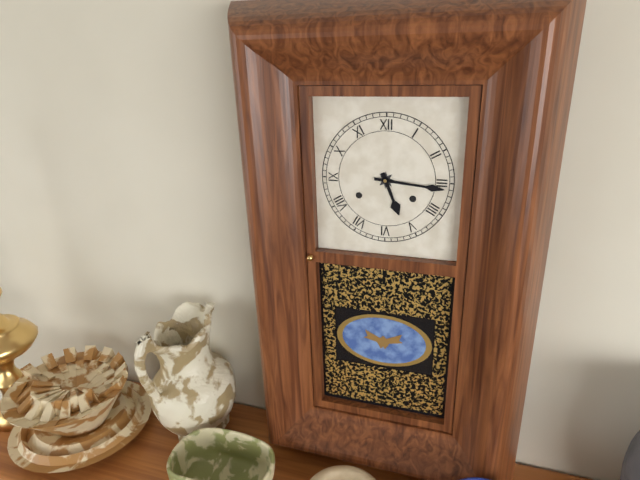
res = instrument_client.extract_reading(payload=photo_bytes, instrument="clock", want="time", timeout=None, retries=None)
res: 5:16
